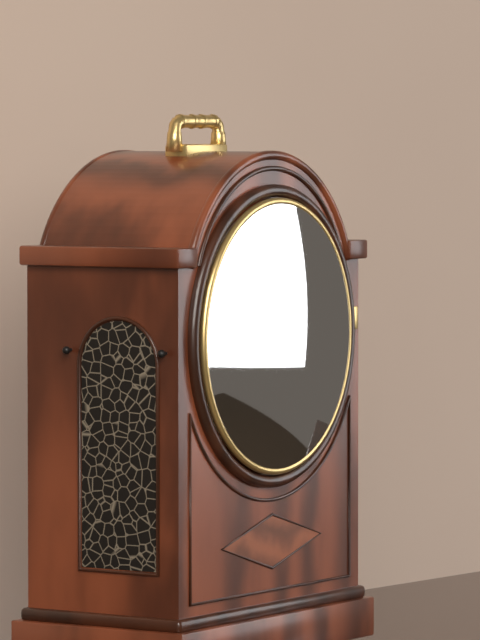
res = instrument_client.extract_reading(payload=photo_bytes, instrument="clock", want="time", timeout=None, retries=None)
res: 5:22
